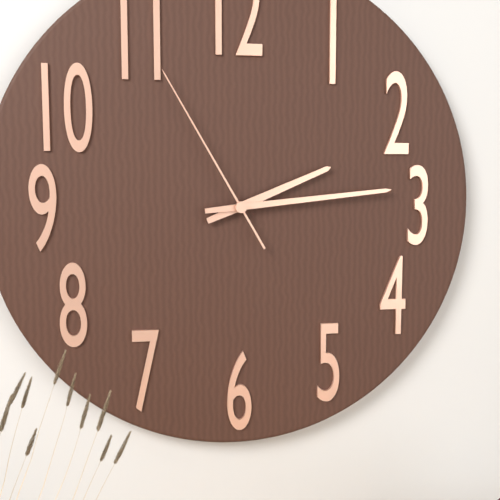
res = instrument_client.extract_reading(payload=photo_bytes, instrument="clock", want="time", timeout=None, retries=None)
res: 2:14:55
